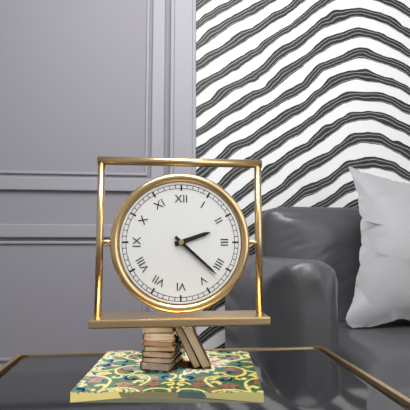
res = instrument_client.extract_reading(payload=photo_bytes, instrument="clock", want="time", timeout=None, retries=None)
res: 2:22
